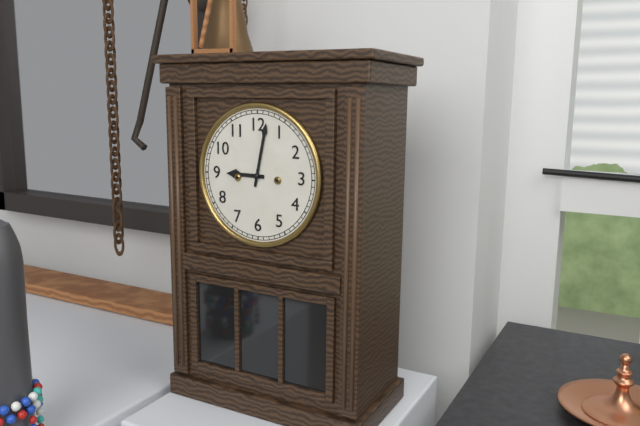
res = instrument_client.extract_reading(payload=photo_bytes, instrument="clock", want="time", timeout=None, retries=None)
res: 9:02
